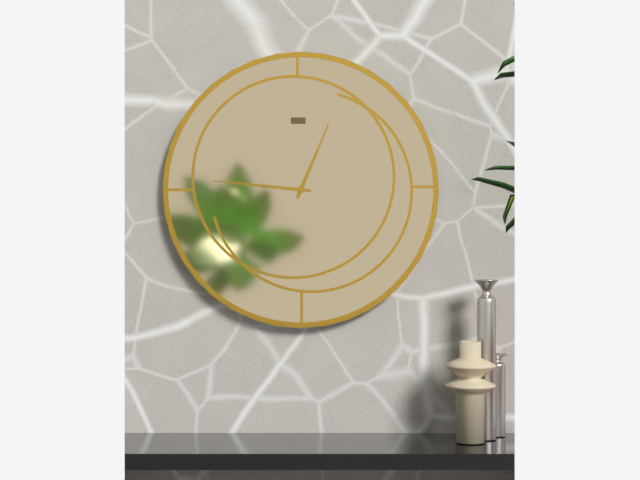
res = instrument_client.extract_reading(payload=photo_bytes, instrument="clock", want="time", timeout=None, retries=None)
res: 12:46
